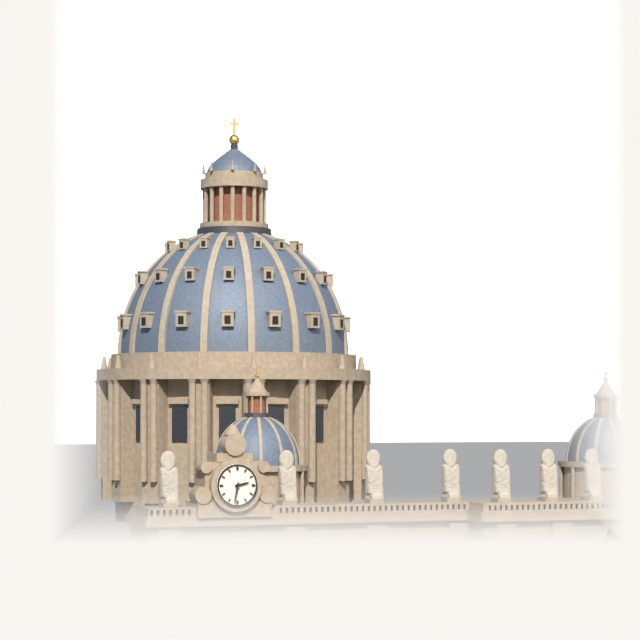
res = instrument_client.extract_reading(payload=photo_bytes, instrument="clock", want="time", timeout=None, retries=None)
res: 2:32
